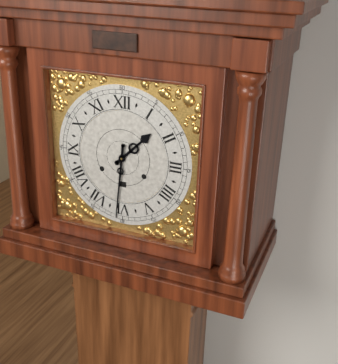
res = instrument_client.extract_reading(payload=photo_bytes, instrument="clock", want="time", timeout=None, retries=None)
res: 1:31
